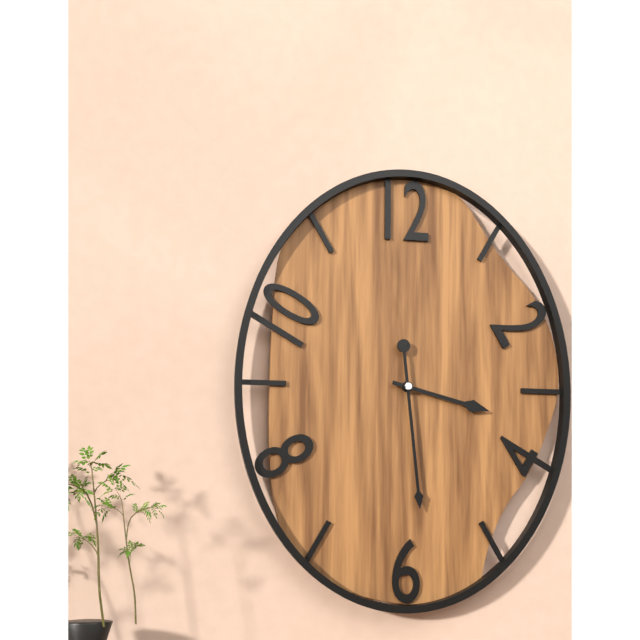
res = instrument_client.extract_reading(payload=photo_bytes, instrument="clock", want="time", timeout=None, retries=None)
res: 3:29
